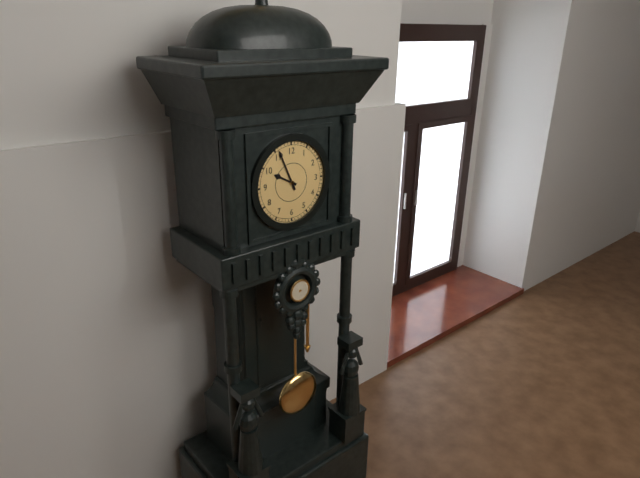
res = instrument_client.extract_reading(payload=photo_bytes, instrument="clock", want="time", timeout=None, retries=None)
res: 9:56
